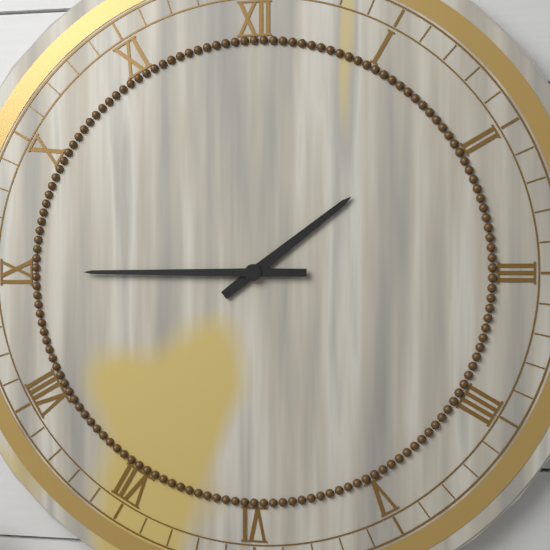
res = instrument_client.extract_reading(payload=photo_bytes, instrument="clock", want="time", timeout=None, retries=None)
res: 1:45
